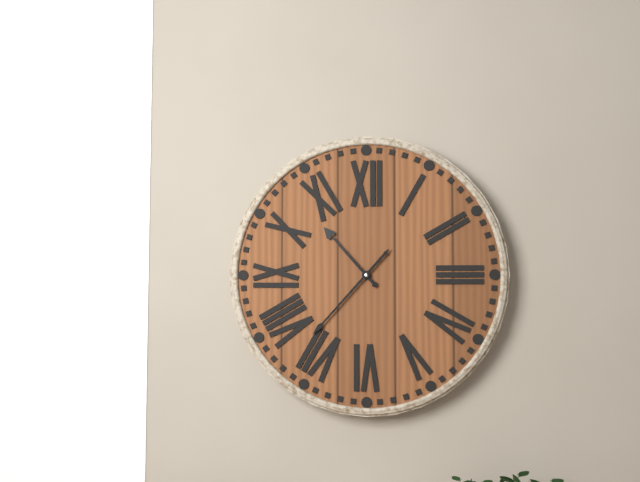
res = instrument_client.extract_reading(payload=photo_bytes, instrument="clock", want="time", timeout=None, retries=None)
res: 10:37
